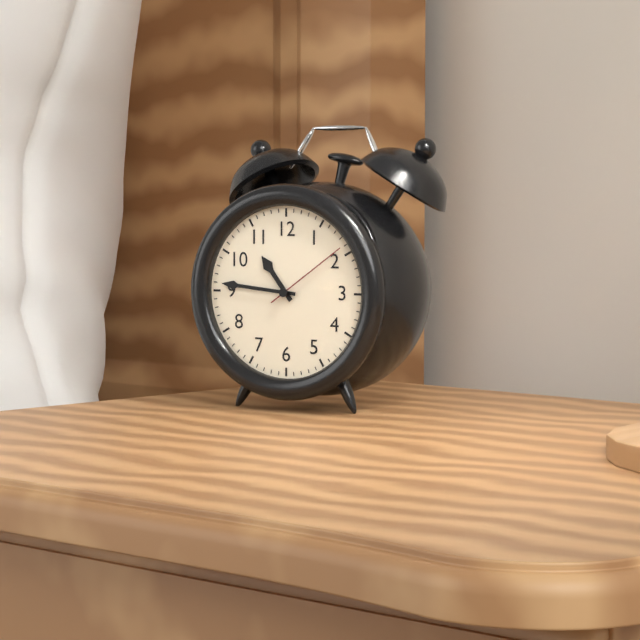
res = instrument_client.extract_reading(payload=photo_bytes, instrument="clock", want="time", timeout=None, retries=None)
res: 10:46:09
